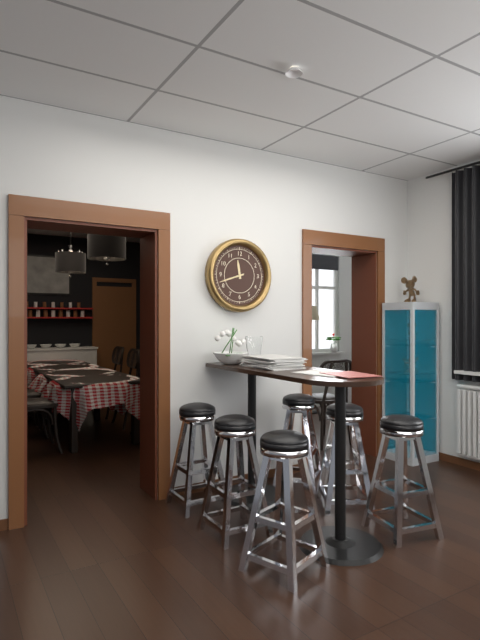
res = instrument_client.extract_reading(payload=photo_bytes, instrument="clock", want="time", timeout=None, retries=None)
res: 11:42
